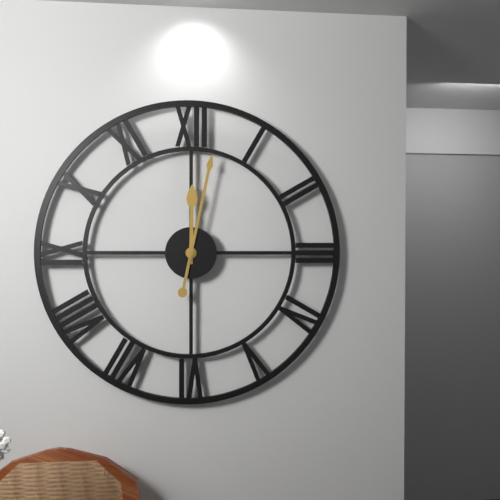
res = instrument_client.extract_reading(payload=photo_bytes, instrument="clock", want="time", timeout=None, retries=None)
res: 12:02
